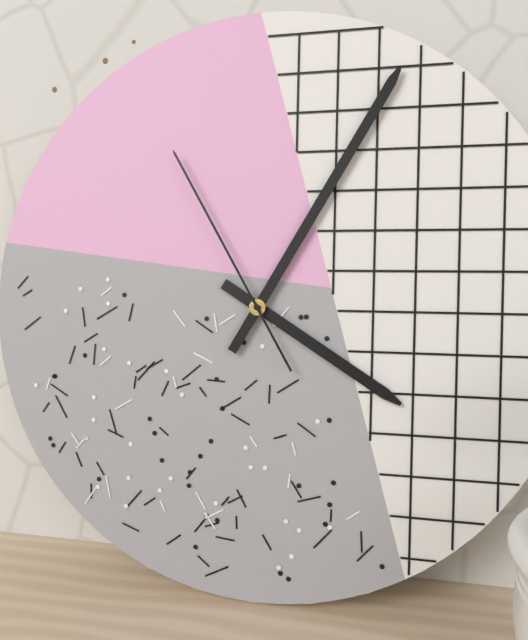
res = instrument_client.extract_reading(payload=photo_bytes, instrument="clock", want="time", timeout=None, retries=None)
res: 4:05:55
